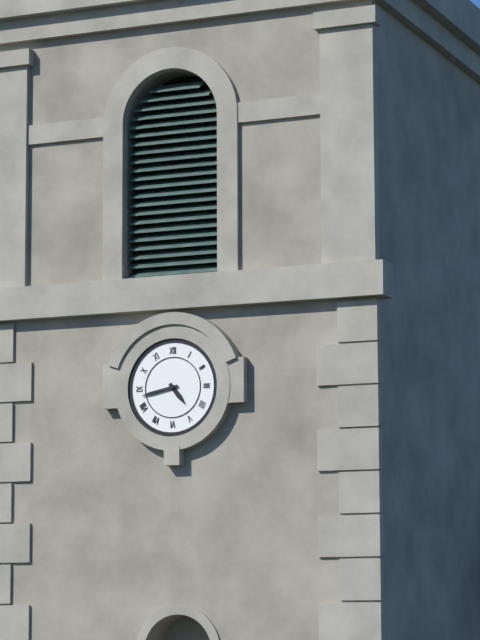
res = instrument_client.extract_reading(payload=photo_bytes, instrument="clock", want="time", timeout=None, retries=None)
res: 4:43
